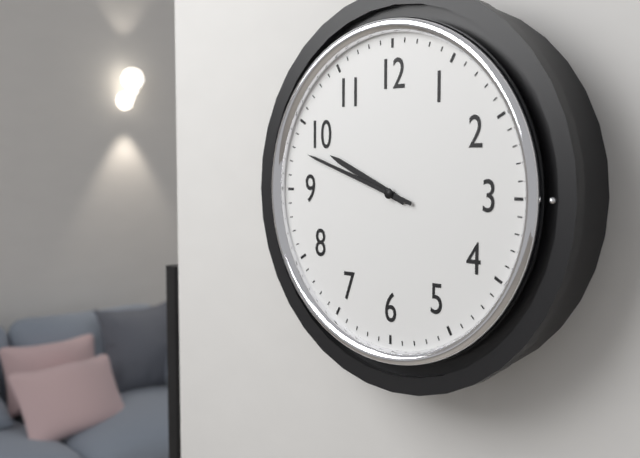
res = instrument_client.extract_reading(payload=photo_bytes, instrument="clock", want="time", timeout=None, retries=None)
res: 9:48
